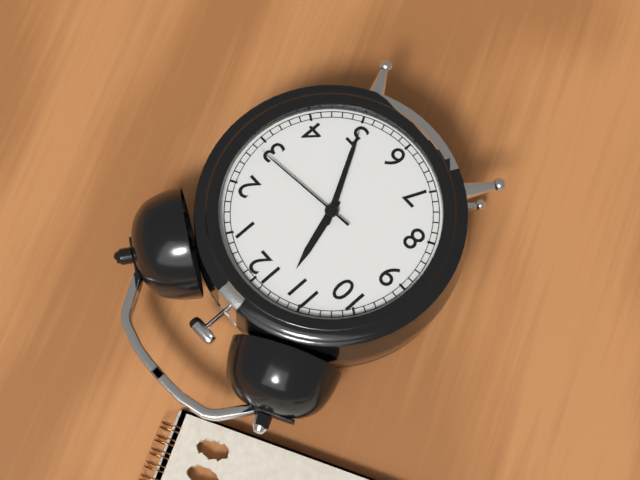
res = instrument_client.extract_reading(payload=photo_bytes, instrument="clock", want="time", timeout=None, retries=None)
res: 11:25:14
